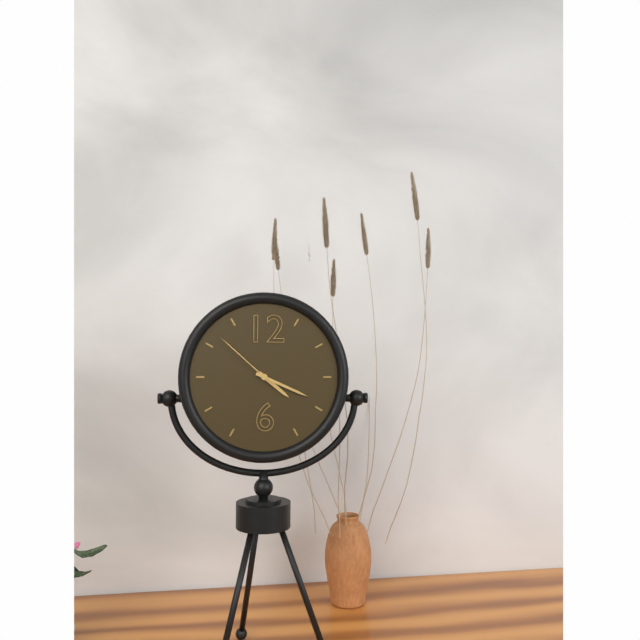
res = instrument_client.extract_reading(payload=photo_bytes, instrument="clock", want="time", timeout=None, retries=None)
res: 4:19:52
